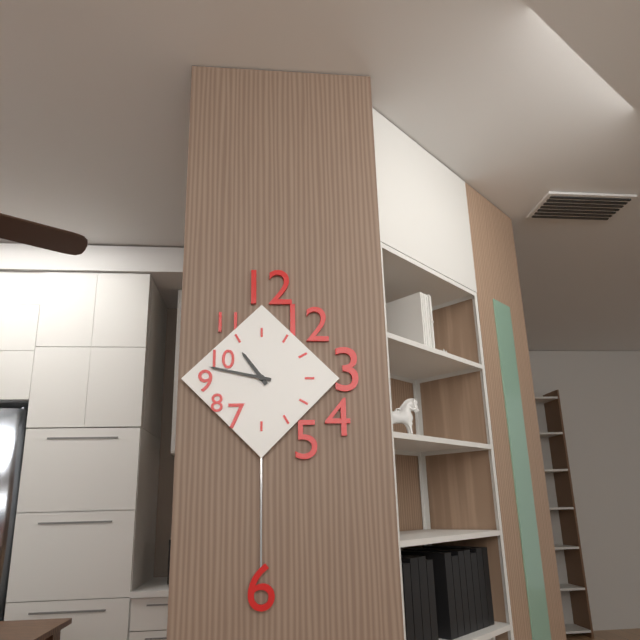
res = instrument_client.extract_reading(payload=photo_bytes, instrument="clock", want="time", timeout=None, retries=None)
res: 10:47
